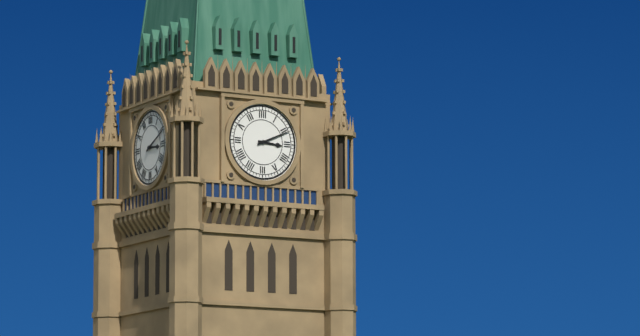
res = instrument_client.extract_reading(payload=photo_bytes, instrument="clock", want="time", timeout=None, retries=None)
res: 3:11
